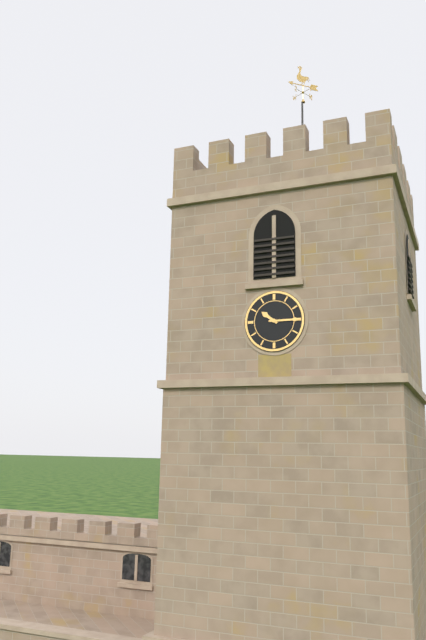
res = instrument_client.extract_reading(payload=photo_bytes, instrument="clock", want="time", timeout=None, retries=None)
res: 10:15
